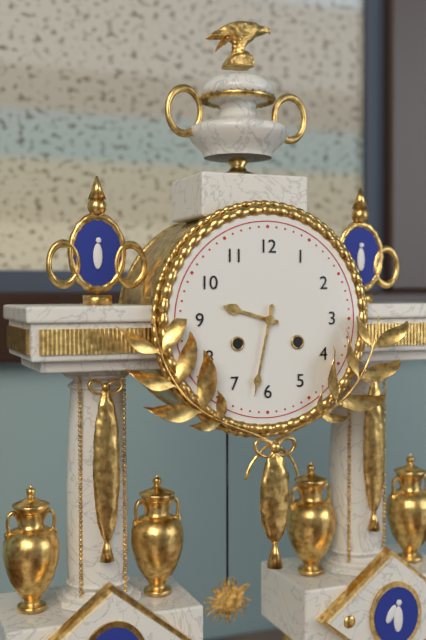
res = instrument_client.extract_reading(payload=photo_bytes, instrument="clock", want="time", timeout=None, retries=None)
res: 9:32
